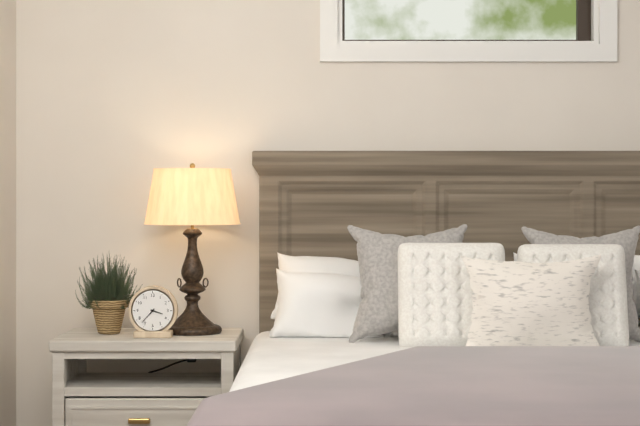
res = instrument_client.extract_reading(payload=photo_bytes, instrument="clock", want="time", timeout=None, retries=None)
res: 3:37
